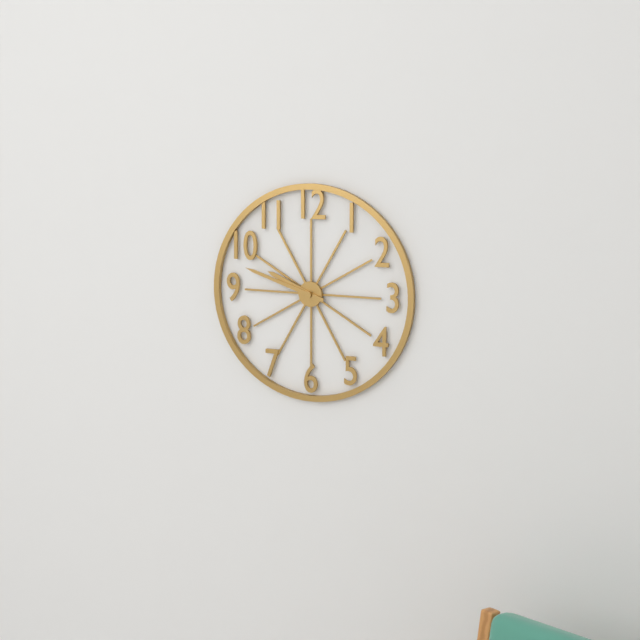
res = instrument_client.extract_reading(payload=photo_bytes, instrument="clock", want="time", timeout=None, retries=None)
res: 9:48
